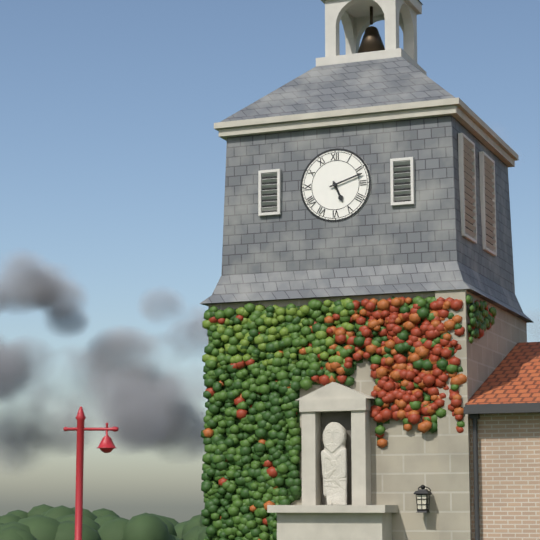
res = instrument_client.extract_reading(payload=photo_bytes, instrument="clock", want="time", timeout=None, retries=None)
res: 5:12
